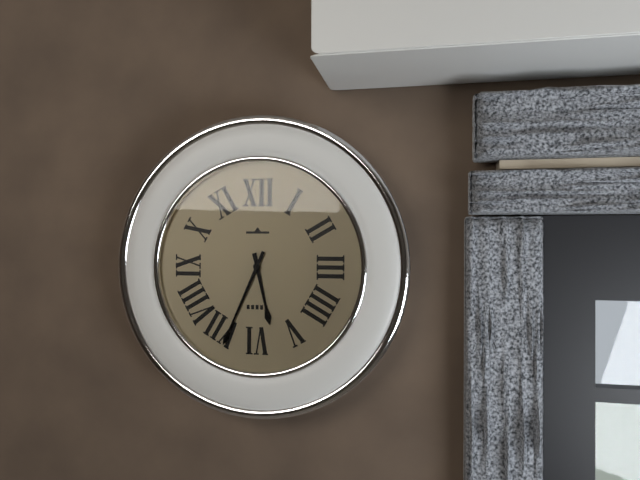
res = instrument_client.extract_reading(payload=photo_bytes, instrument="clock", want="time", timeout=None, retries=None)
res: 5:34
